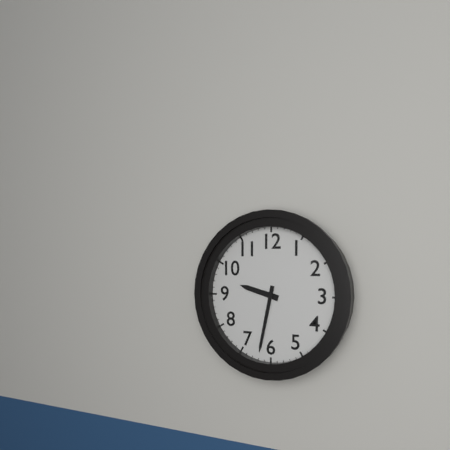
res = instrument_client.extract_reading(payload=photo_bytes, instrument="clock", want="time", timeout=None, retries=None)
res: 9:32
